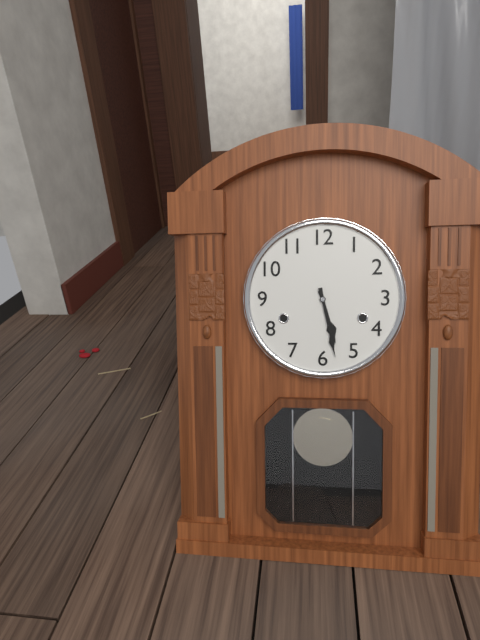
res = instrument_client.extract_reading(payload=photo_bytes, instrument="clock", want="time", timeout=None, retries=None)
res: 5:28
